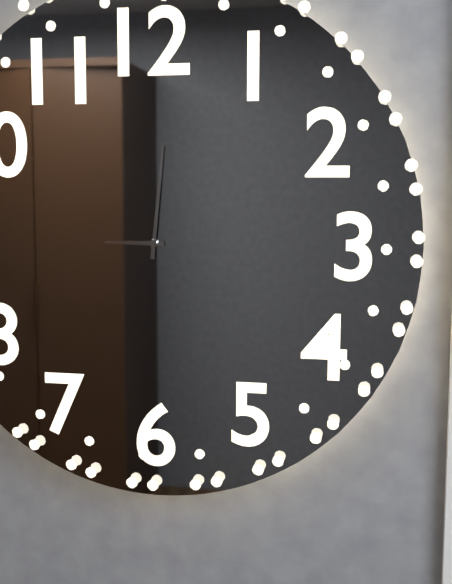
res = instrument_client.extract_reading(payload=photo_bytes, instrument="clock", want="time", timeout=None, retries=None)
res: 9:01
